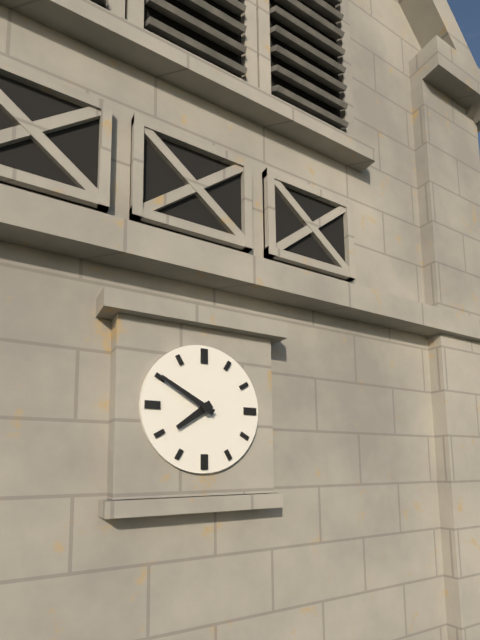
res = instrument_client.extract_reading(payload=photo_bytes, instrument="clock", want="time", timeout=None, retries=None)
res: 7:50
